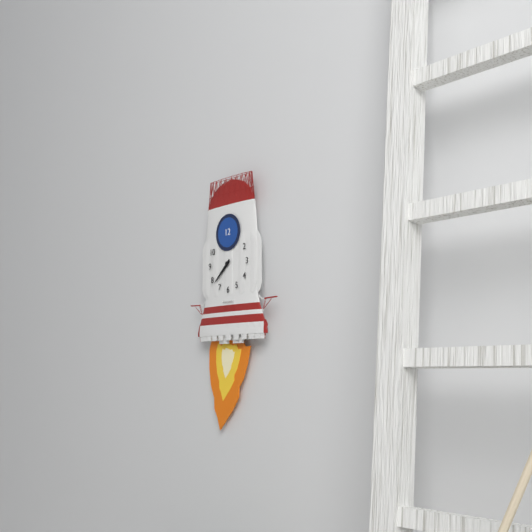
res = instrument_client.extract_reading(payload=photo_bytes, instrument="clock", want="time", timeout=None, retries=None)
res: 7:38
